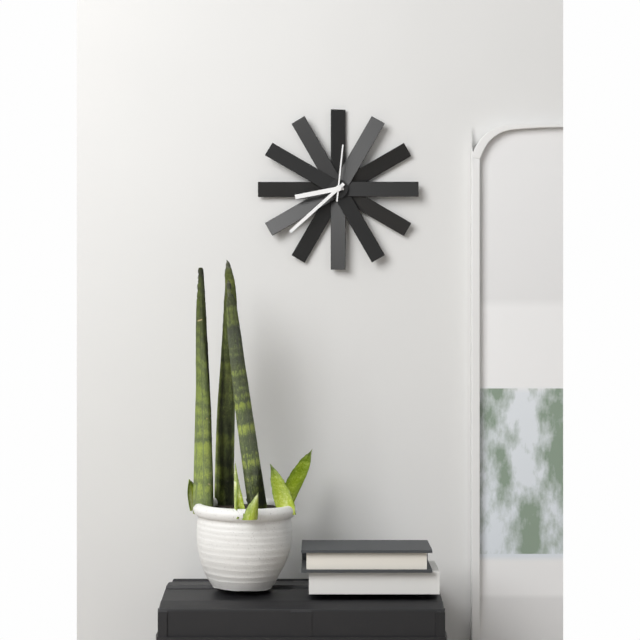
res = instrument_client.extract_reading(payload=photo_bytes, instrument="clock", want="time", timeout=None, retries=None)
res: 8:38:01
